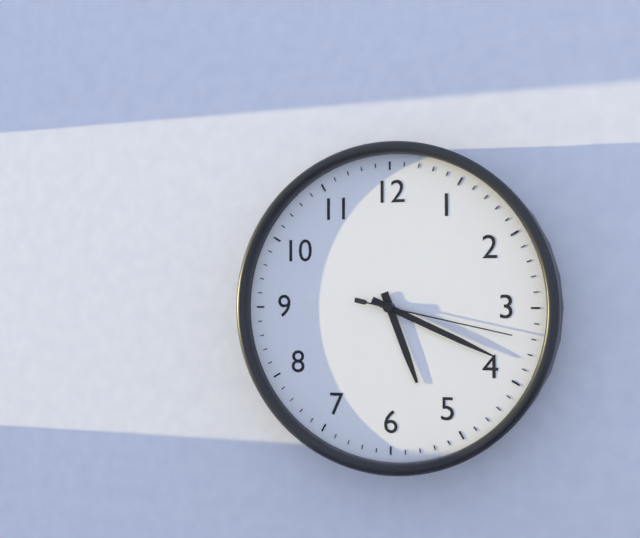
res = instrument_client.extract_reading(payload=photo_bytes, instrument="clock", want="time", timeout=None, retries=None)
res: 5:19:17
